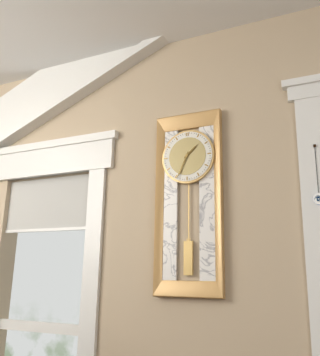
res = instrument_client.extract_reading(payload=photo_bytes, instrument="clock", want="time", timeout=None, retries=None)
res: 1:34
